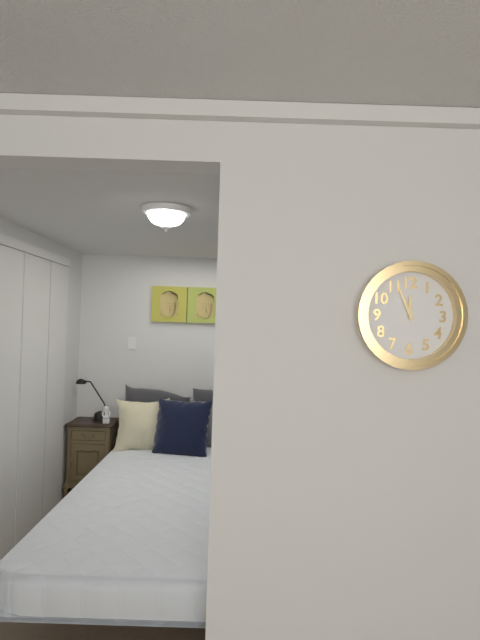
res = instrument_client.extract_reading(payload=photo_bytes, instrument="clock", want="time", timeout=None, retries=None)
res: 11:56
